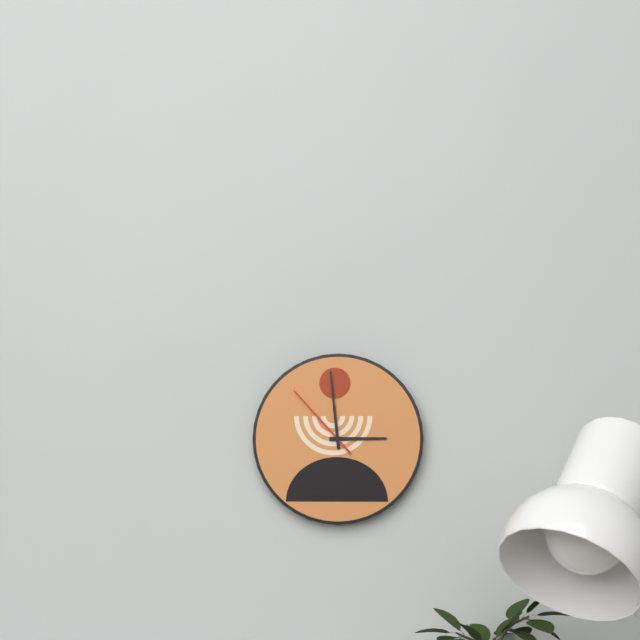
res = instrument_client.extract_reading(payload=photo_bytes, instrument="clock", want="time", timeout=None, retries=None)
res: 2:59:53
